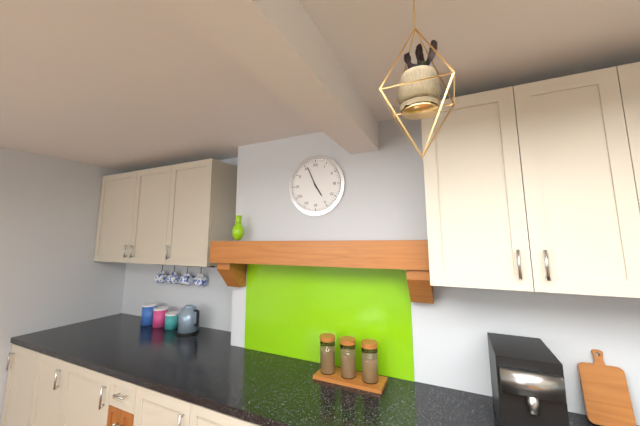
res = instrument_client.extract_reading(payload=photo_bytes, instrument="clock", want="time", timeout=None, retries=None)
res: 4:56
